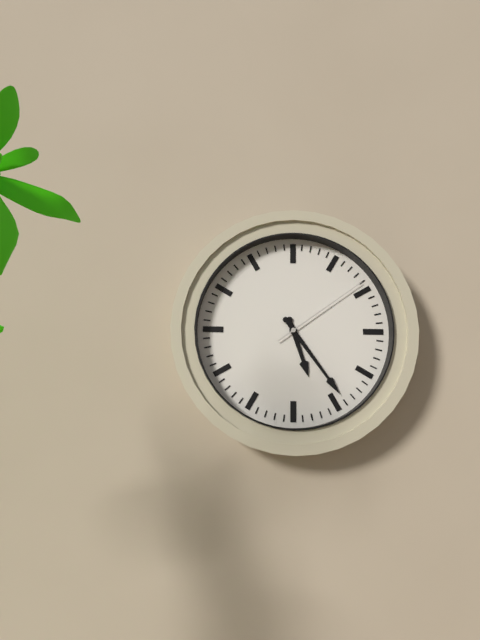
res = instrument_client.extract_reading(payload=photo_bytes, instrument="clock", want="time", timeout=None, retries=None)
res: 5:24:09
